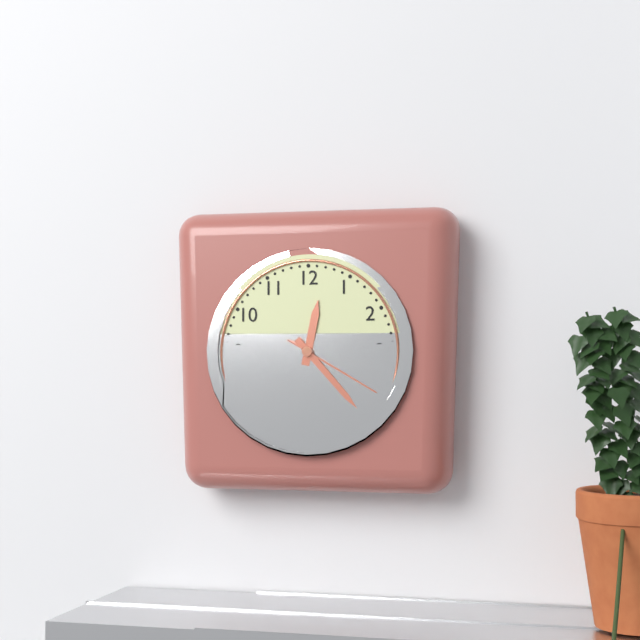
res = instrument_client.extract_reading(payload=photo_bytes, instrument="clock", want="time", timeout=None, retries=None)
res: 12:23:20
